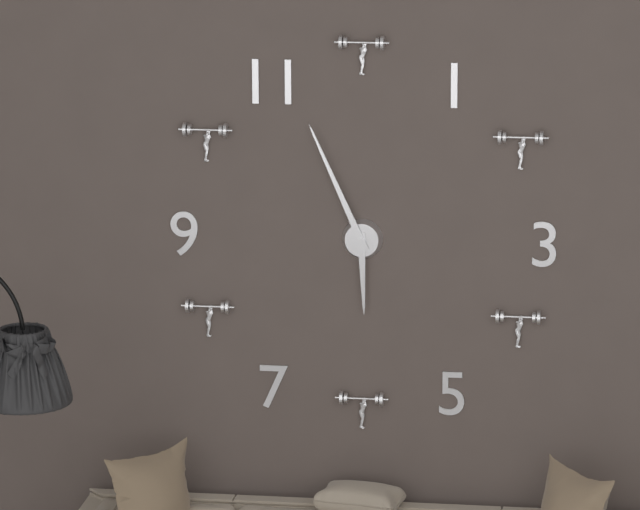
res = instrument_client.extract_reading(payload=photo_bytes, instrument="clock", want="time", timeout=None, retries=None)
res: 5:56
